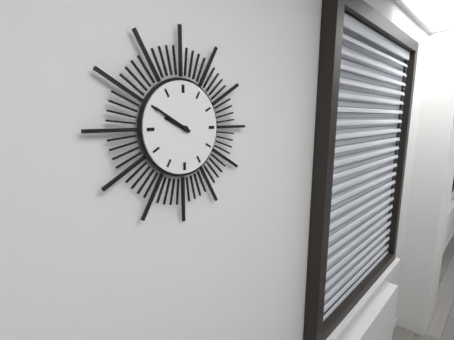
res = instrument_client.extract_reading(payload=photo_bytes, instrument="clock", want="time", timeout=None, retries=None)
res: 9:50
